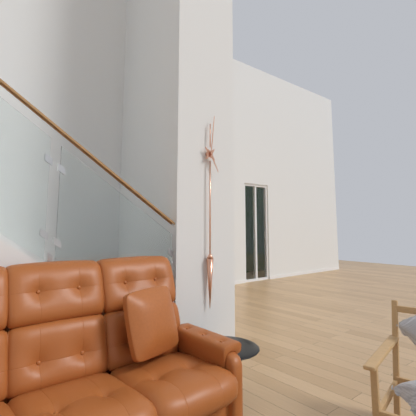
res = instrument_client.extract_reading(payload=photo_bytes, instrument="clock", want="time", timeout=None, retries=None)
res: 5:01
